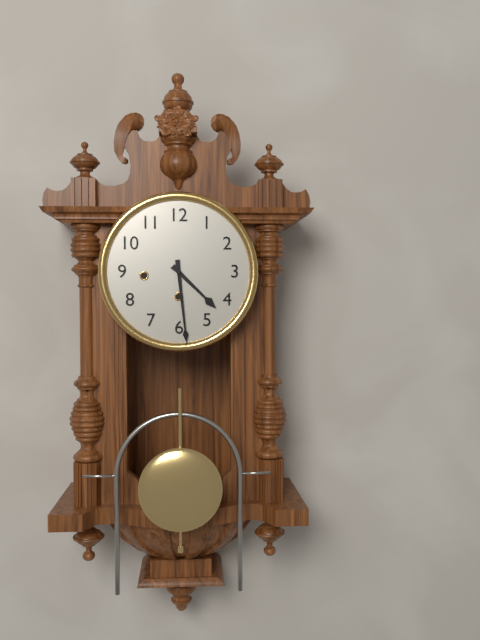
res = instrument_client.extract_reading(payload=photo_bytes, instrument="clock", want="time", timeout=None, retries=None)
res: 4:29
